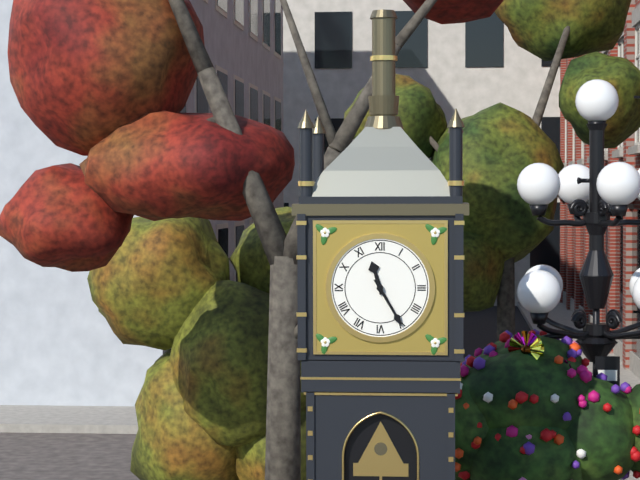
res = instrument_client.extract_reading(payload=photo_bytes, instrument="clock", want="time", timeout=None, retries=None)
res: 11:25
